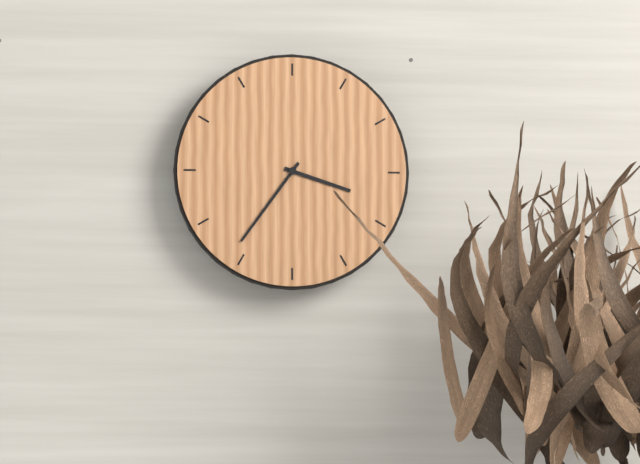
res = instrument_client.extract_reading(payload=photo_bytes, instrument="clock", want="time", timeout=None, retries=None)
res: 3:36
